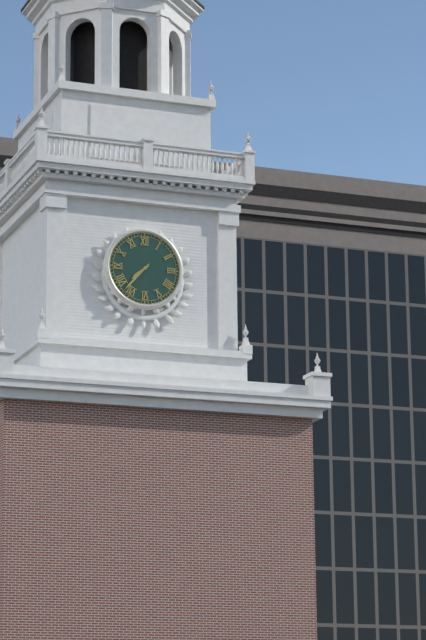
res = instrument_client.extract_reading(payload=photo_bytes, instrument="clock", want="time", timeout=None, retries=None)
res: 7:37
